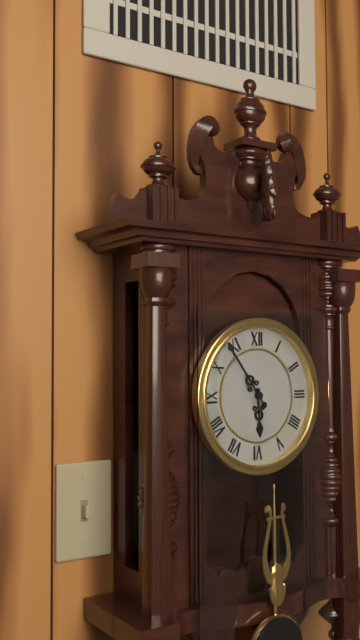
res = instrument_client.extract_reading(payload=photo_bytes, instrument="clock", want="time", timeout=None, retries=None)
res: 5:54
